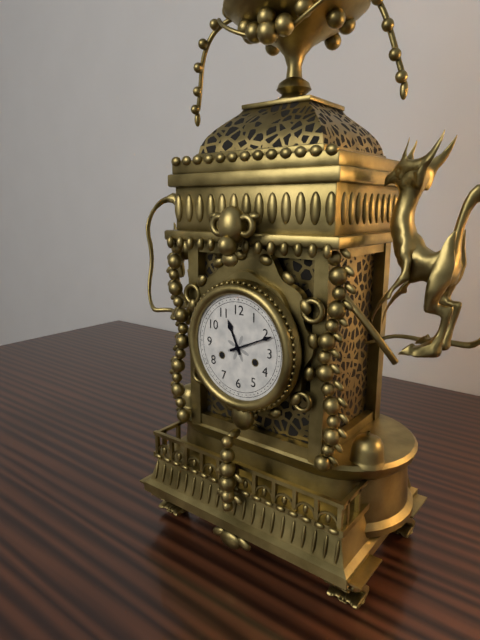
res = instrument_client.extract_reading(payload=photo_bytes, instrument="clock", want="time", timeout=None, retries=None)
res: 11:11
